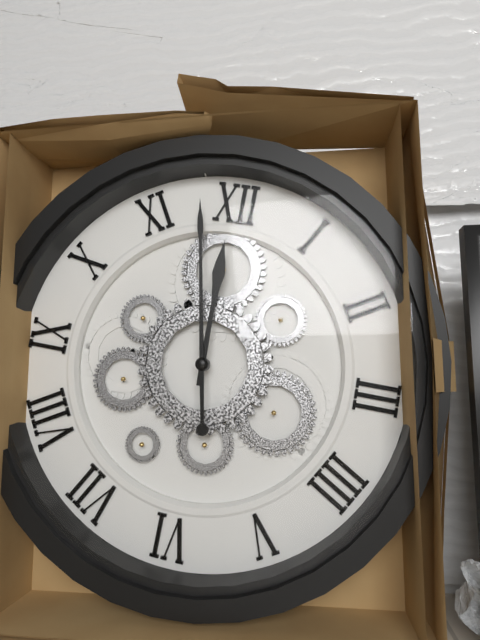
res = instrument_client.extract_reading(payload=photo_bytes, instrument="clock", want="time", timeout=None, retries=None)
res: 11:58
